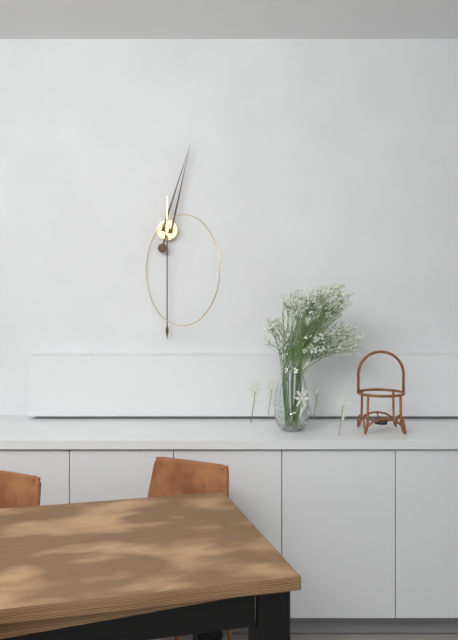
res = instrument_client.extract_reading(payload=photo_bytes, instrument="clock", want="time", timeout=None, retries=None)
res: 12:30
